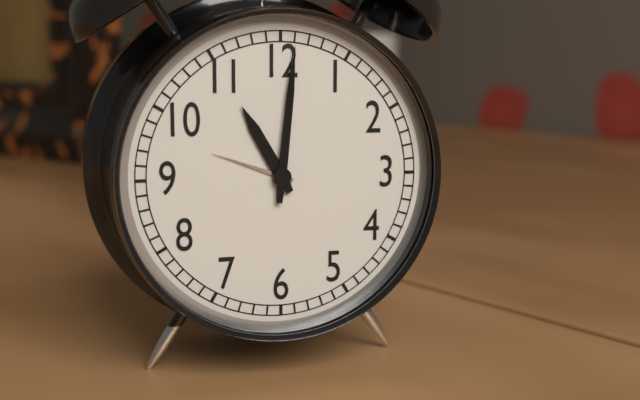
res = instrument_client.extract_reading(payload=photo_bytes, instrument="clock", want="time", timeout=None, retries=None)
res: 11:01
